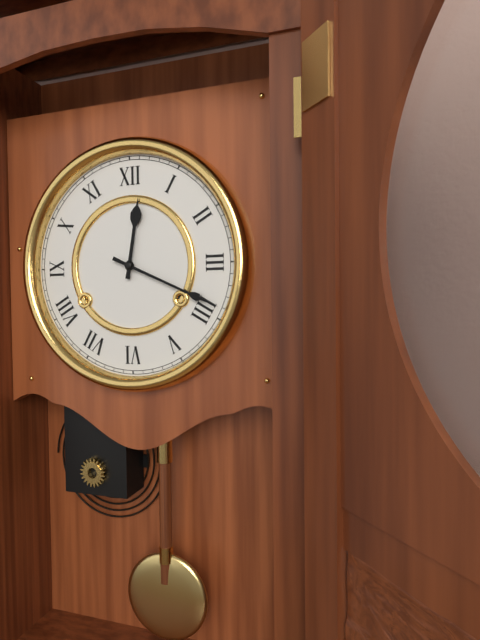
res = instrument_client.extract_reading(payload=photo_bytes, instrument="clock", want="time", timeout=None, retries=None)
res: 12:19
